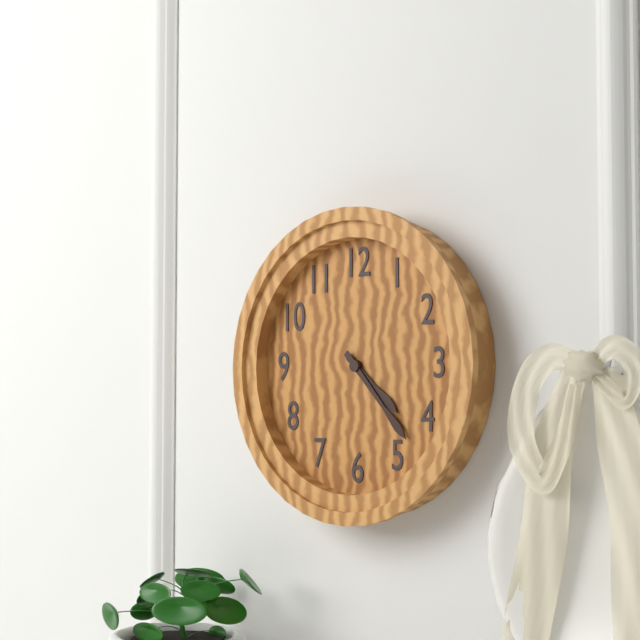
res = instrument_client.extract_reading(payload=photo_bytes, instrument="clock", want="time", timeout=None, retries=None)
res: 4:23
